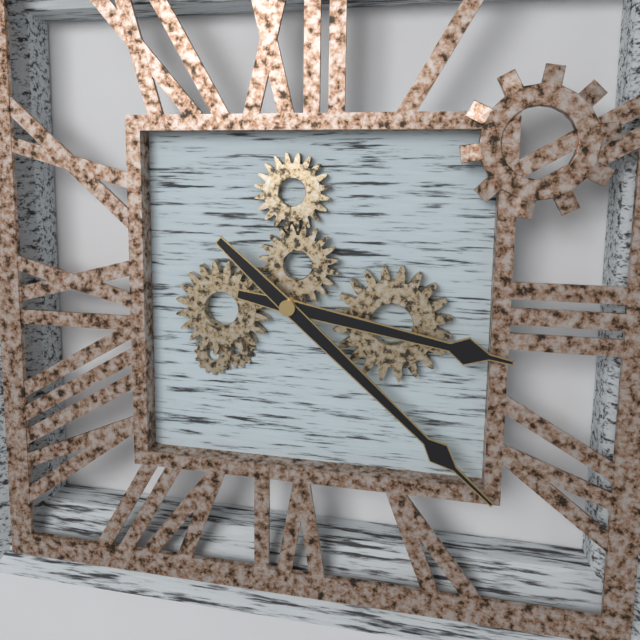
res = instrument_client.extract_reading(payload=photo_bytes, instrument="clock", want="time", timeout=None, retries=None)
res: 3:22
